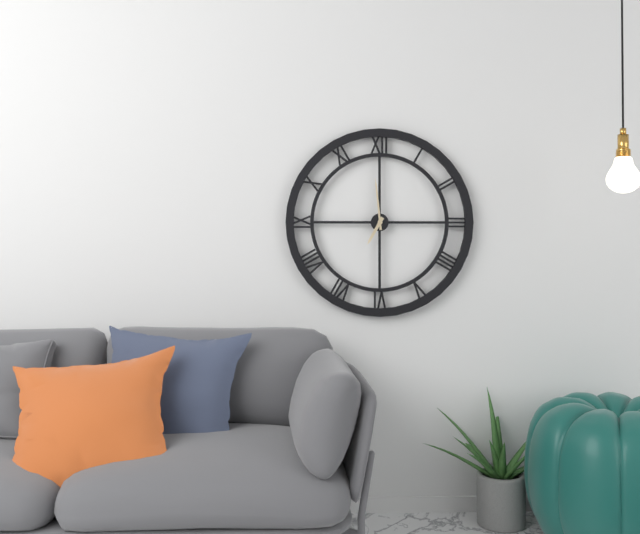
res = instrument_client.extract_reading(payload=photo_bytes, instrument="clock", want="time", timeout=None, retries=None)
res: 6:59
